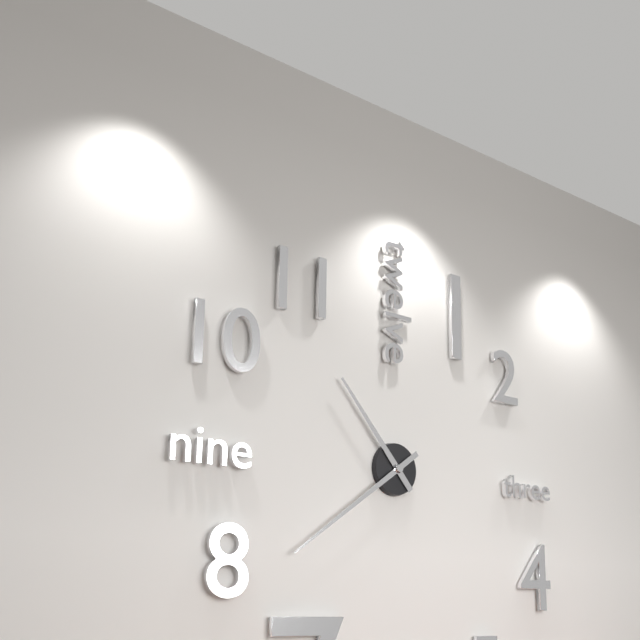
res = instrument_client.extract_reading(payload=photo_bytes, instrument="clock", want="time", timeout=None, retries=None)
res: 10:39
